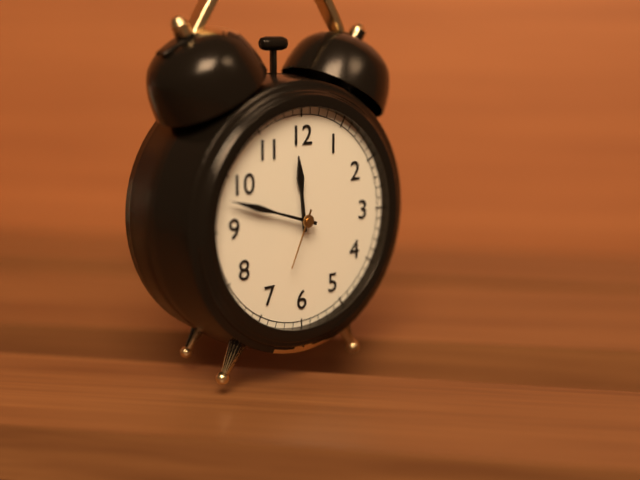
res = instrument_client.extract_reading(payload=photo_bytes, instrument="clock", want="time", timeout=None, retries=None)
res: 11:48:34
